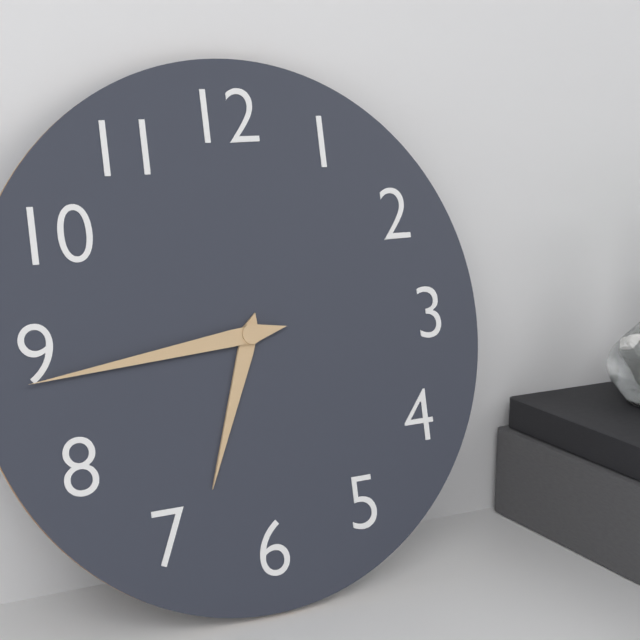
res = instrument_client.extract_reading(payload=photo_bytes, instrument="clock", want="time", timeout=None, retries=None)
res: 6:44
